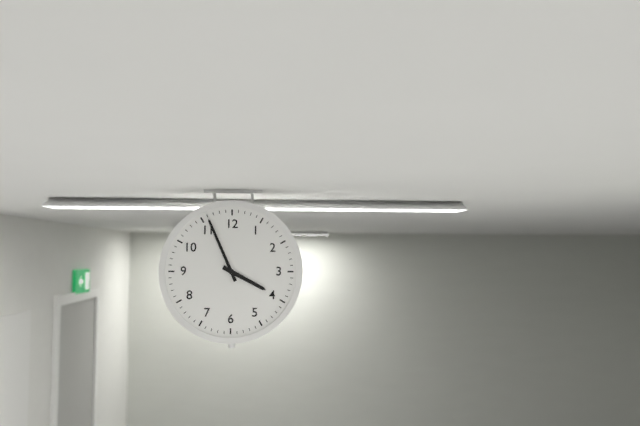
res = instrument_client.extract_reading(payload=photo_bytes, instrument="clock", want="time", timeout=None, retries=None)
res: 3:56
